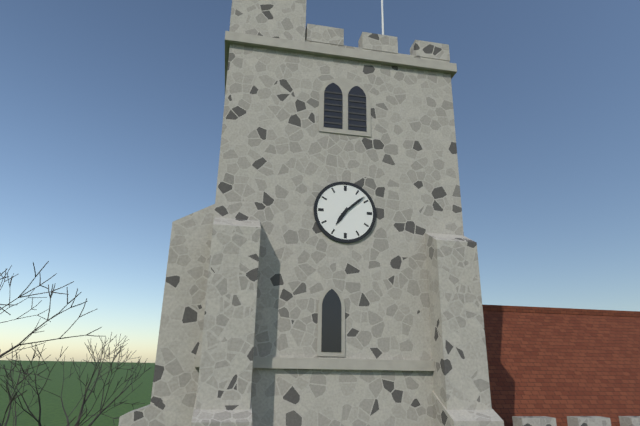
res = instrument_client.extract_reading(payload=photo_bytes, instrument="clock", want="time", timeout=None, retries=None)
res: 7:08
